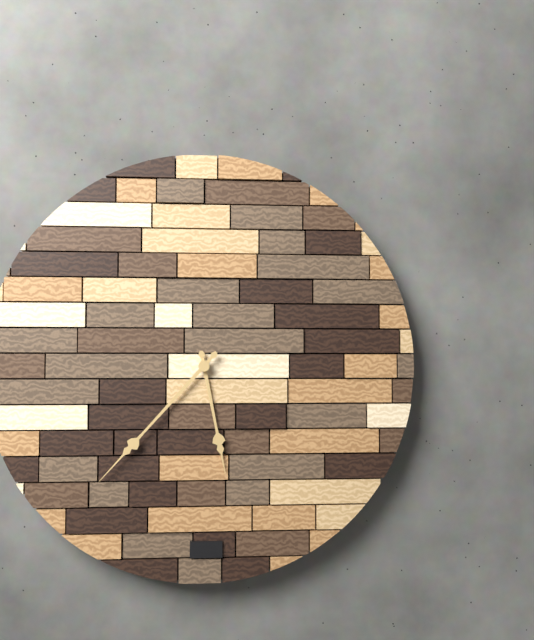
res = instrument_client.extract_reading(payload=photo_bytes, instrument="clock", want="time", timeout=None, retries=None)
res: 5:37
